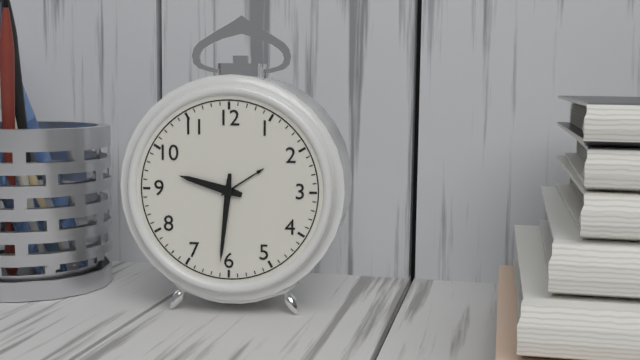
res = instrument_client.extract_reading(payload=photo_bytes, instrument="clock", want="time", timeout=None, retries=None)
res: 9:31
